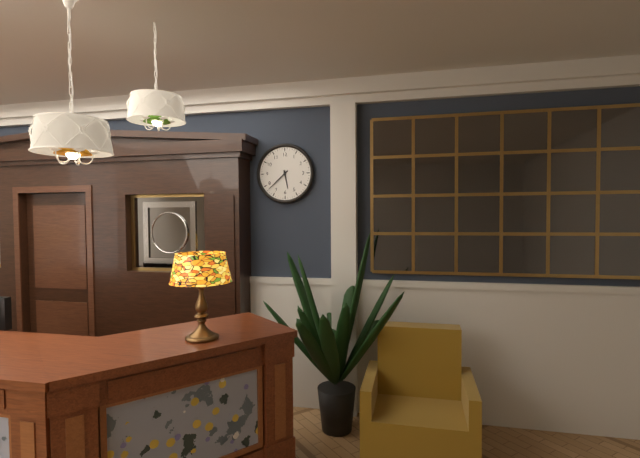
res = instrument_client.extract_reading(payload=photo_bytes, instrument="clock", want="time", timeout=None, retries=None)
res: 5:38
